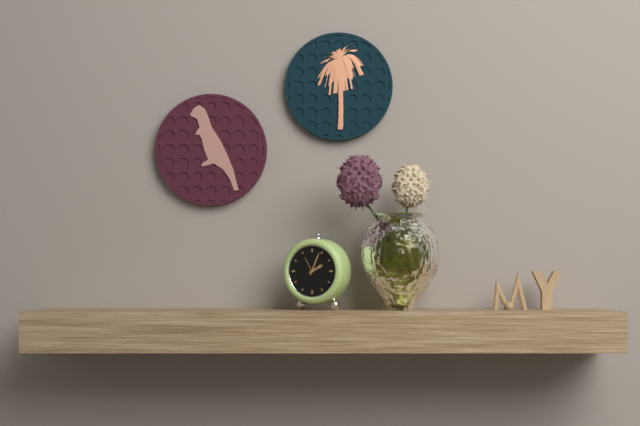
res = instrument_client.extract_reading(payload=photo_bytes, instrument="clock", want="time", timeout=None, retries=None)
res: 2:04
